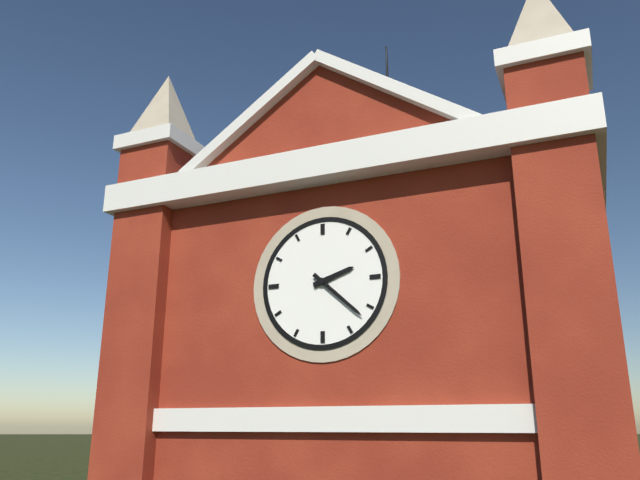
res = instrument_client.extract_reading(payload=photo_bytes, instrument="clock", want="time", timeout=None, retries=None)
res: 2:22
